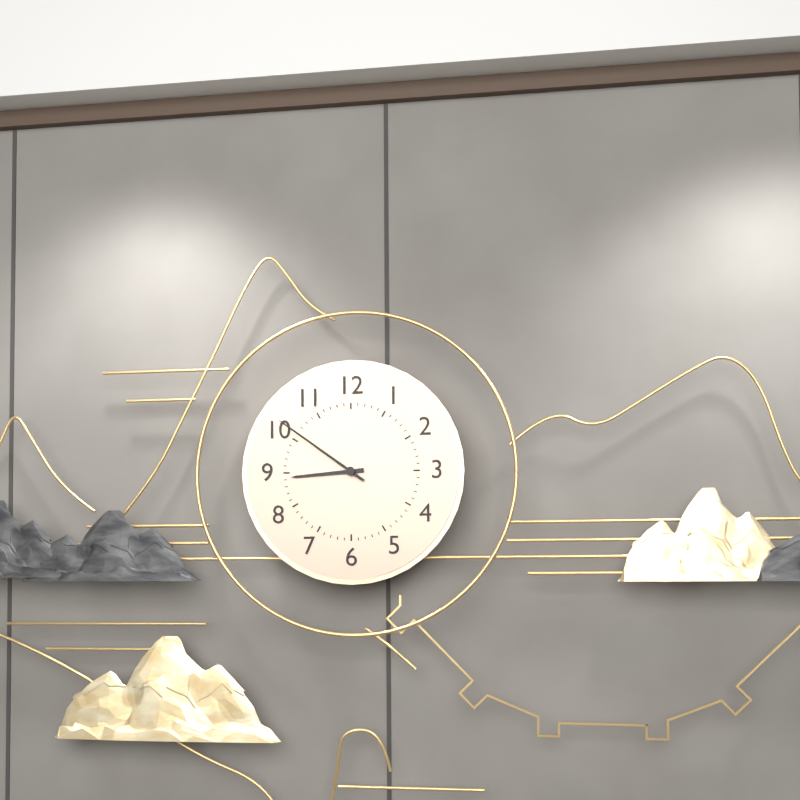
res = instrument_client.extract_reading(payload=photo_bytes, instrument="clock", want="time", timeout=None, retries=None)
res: 8:51
